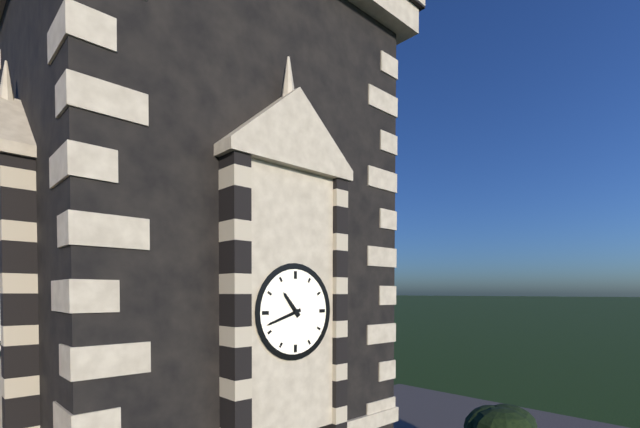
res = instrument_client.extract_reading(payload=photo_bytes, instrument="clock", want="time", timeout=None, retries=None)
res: 10:42
